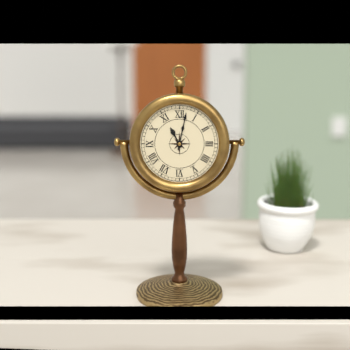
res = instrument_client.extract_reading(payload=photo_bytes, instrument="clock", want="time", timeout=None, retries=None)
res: 11:02
